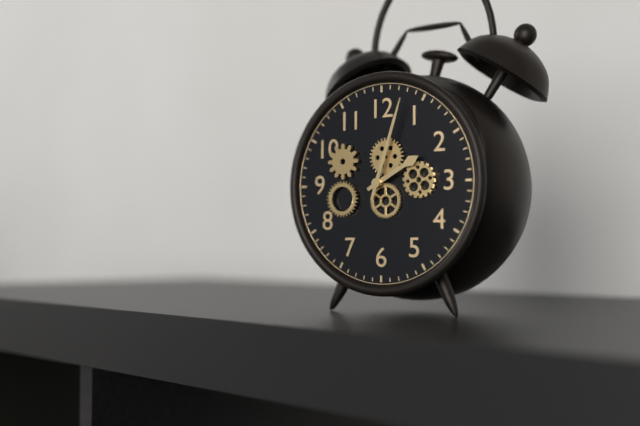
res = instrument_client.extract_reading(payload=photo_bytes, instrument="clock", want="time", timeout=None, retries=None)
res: 2:03
